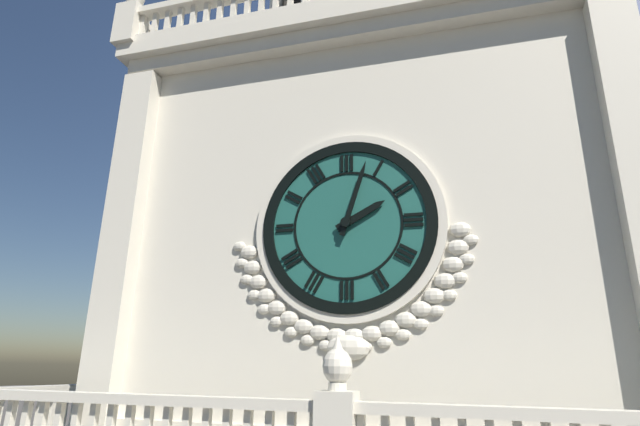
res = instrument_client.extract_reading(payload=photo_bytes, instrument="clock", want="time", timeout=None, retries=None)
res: 2:03
